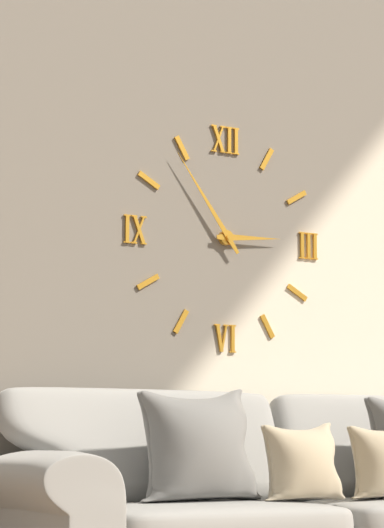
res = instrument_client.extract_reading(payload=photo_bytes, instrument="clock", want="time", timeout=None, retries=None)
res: 2:54
